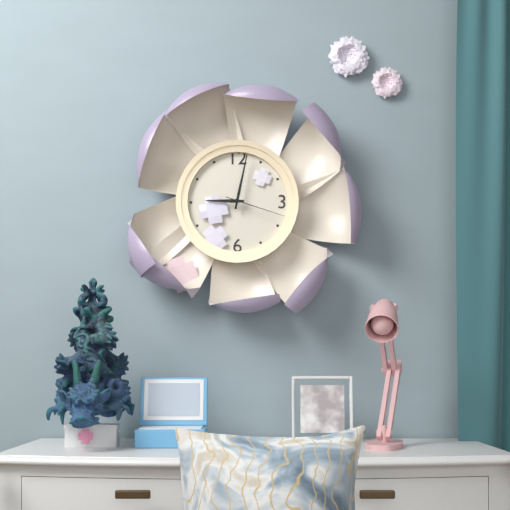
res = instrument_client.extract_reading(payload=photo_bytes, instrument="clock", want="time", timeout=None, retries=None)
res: 9:02:18
